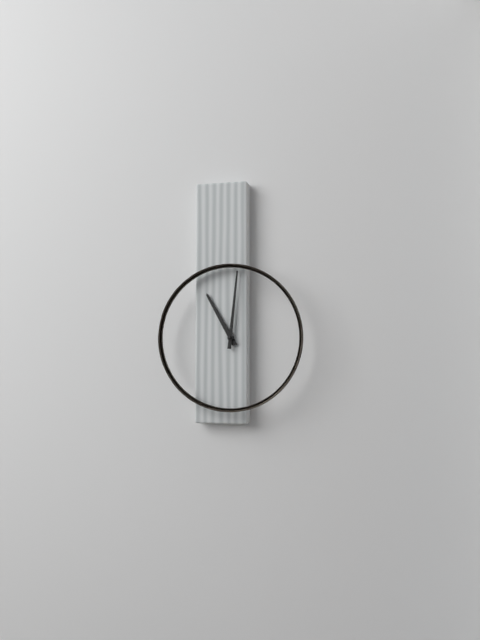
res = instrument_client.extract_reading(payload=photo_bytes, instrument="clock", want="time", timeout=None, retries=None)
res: 11:01
